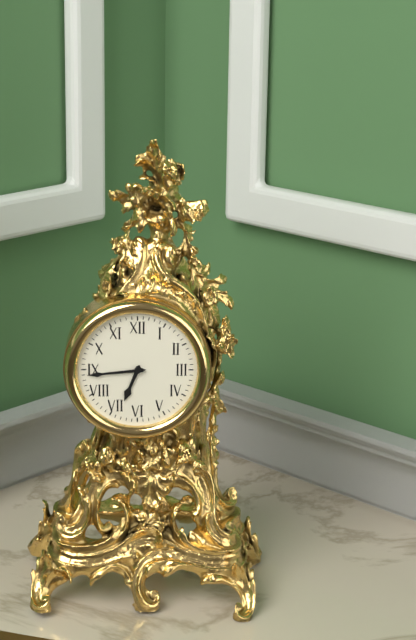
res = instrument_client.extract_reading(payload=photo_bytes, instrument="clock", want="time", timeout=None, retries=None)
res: 6:44
